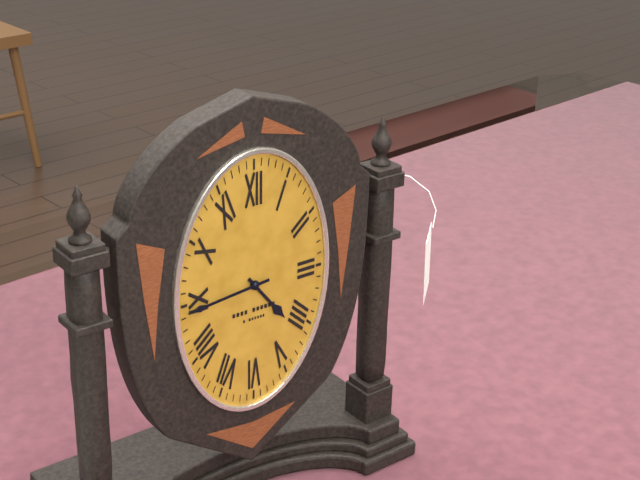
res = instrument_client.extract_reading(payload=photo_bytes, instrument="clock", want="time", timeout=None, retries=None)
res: 4:44
